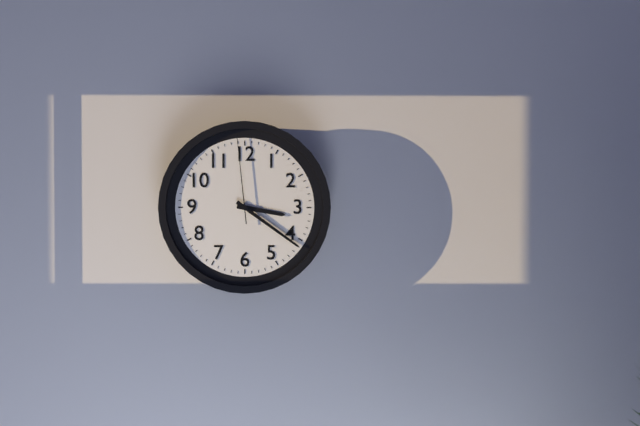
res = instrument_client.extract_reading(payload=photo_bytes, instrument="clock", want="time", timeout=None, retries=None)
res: 3:21:59
